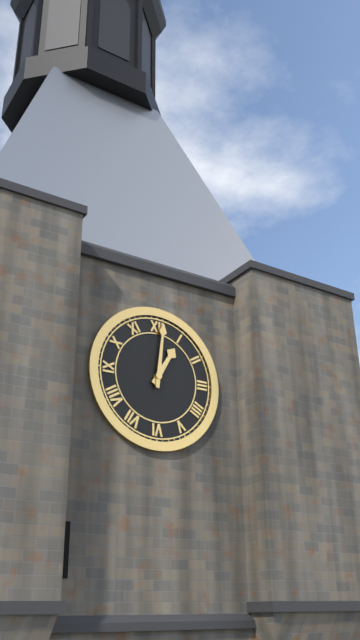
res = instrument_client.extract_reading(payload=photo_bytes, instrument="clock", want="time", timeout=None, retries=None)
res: 1:01
